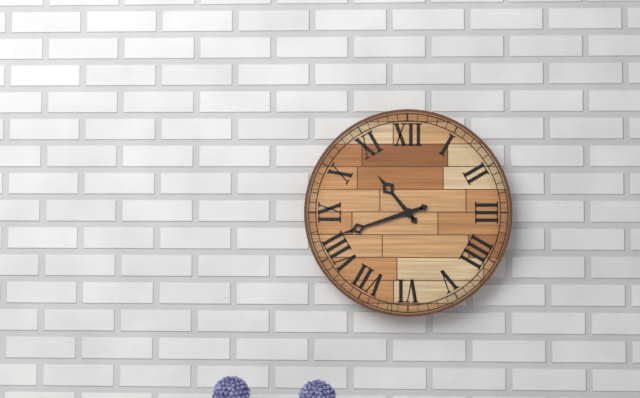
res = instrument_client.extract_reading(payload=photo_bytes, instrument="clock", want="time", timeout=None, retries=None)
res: 10:42
